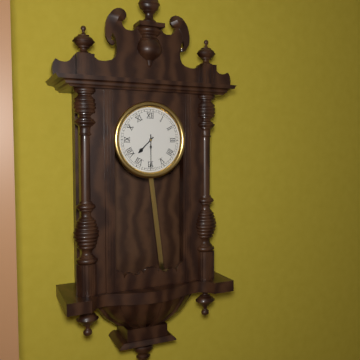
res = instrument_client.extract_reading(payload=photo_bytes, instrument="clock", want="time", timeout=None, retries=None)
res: 7:30
